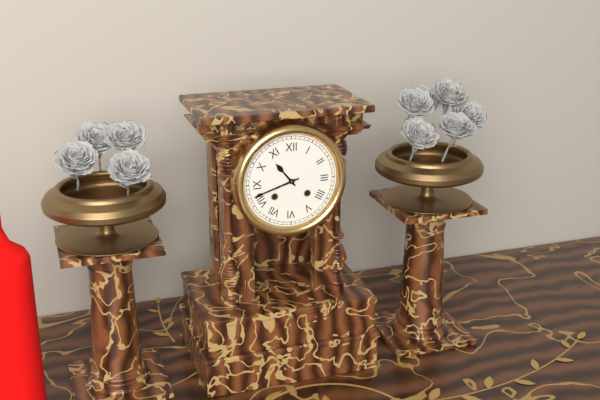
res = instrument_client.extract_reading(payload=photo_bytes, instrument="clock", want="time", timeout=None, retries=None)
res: 10:42
